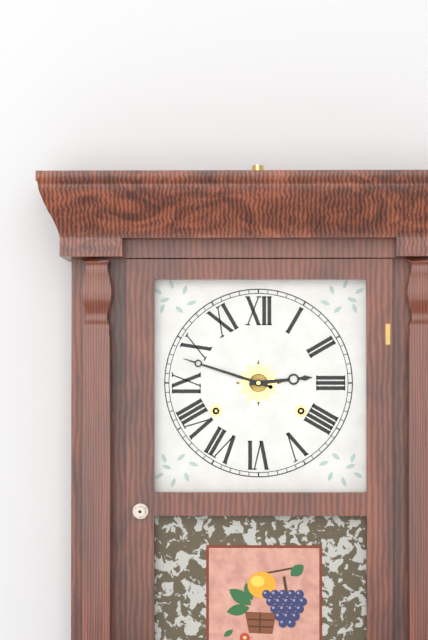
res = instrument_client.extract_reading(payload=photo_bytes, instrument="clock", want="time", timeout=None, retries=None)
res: 2:48
